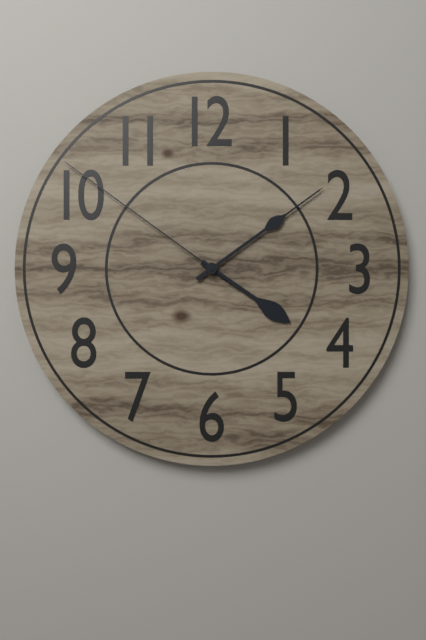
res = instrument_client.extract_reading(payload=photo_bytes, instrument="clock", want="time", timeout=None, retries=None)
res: 4:09:51
